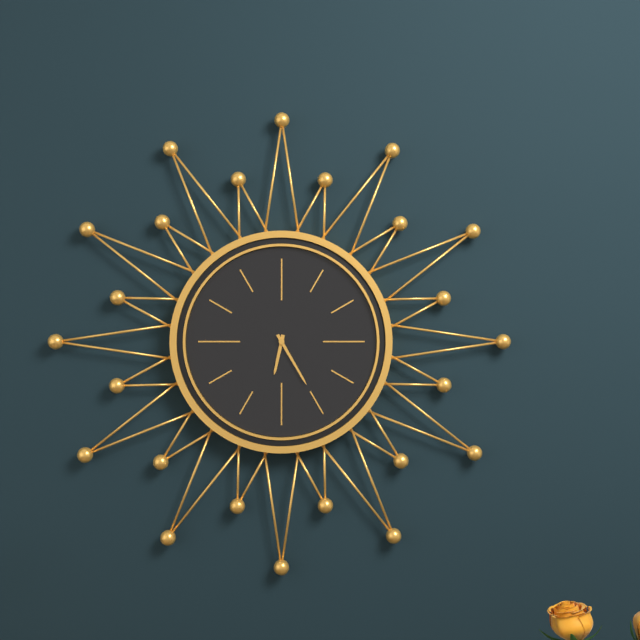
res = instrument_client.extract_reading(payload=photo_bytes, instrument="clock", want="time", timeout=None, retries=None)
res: 6:25
